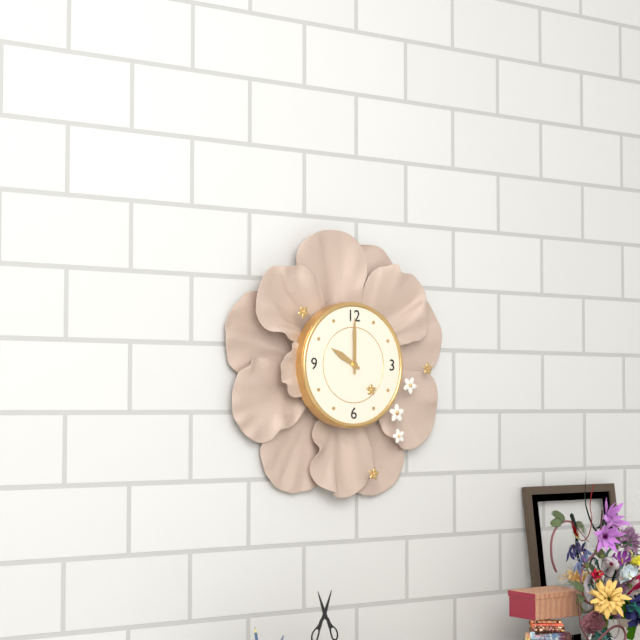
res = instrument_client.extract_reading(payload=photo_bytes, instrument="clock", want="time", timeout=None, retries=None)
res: 10:00
